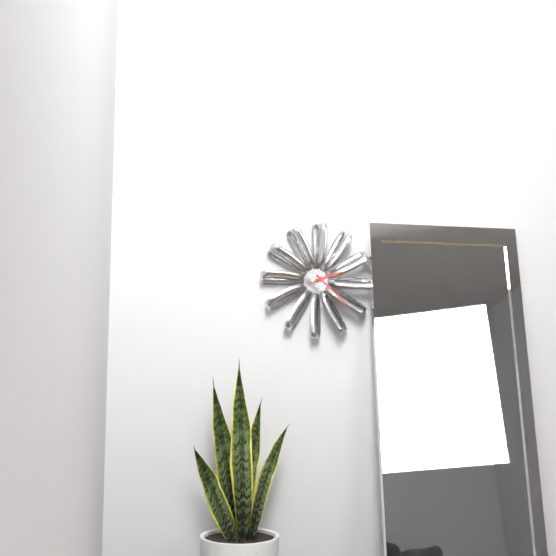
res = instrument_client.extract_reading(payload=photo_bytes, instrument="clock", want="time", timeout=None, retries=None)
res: 2:22
